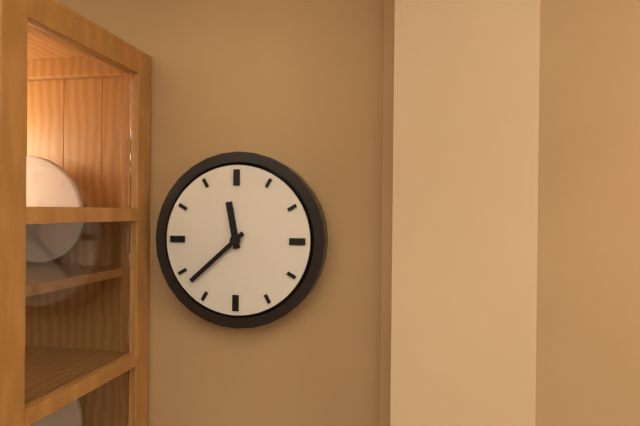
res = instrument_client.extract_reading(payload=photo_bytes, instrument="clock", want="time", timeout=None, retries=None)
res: 11:38
